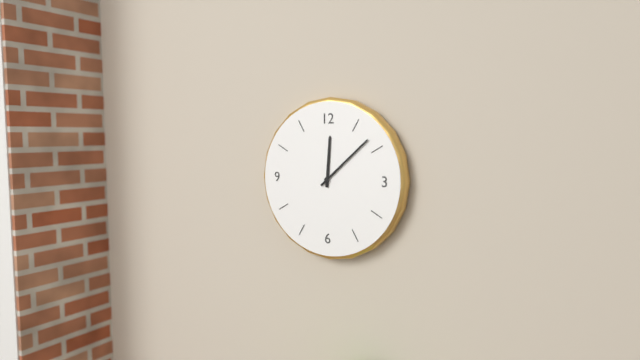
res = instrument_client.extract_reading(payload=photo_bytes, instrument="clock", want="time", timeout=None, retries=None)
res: 12:08
